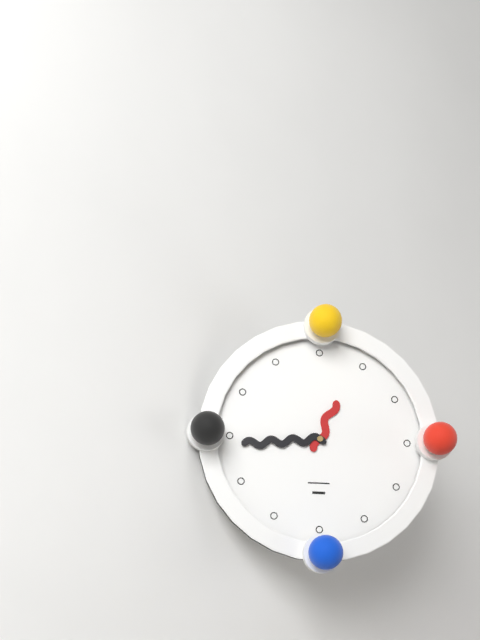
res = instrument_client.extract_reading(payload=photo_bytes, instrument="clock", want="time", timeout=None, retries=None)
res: 12:44
